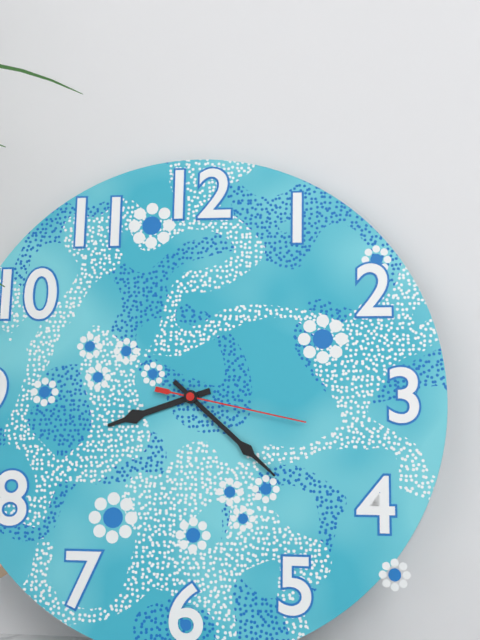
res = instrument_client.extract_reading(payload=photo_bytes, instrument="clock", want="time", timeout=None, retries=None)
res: 8:22:17
